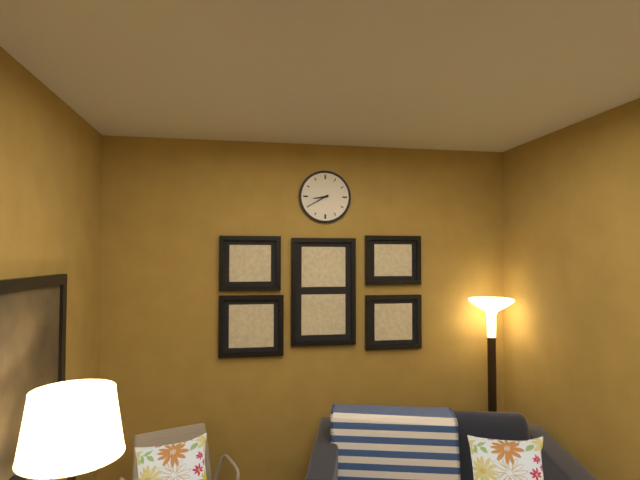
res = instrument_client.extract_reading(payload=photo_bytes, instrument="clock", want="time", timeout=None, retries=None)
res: 8:40
